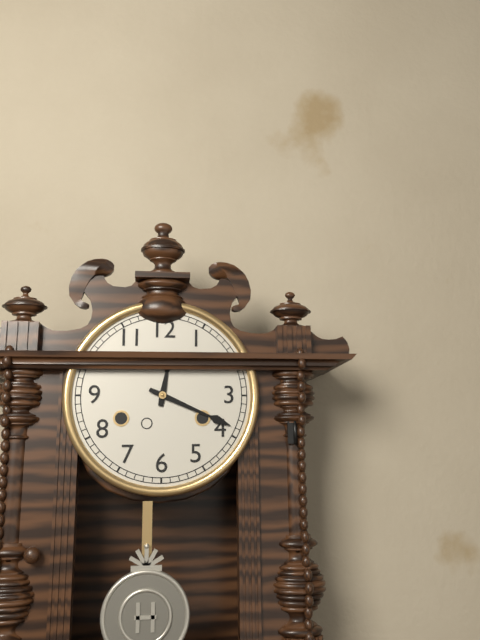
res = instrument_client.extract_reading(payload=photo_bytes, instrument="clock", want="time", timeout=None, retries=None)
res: 12:19
